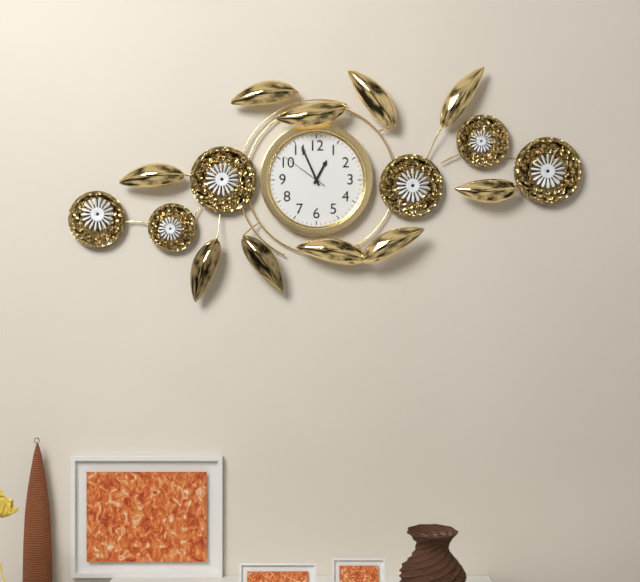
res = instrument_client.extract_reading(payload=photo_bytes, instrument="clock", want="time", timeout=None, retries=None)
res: 12:56:51
